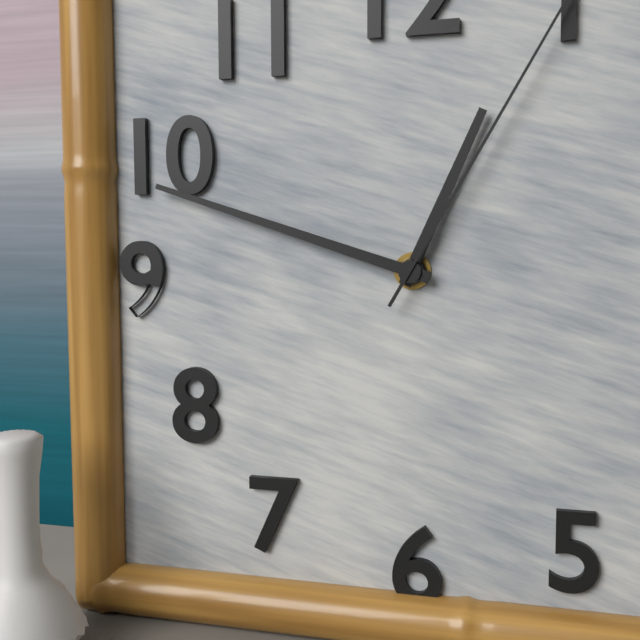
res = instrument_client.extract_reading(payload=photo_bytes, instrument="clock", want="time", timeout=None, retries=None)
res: 12:48
